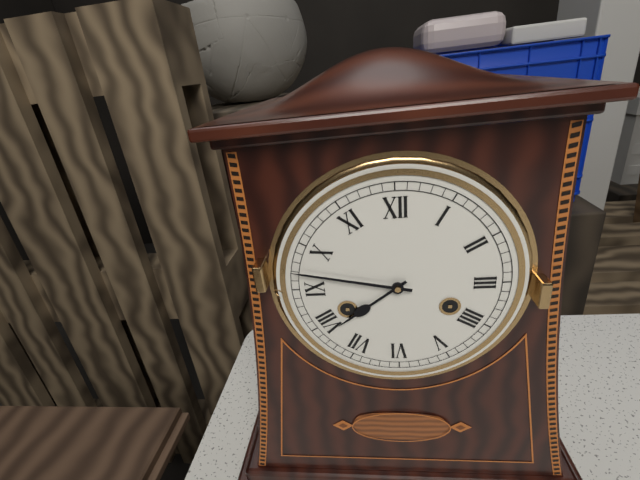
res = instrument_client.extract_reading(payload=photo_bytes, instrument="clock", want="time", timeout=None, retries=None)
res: 7:47
